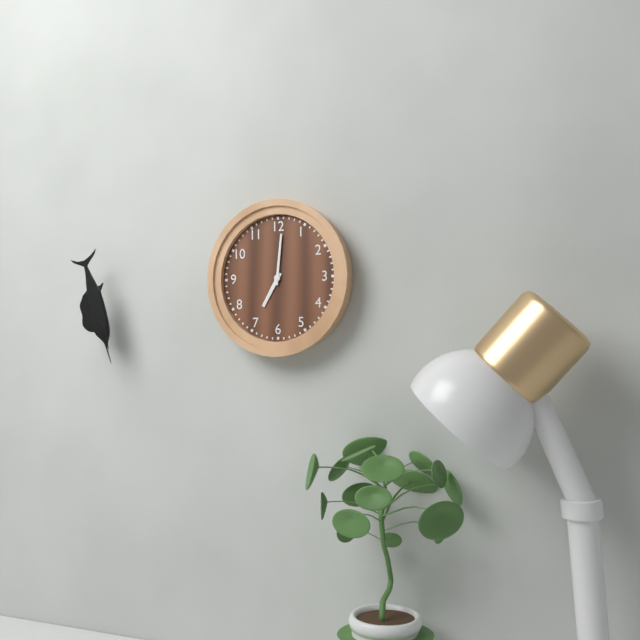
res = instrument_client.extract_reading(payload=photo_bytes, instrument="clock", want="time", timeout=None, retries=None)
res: 7:01
